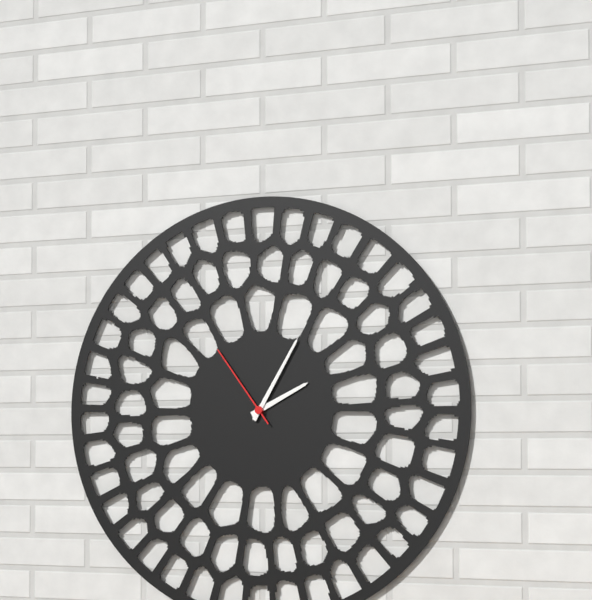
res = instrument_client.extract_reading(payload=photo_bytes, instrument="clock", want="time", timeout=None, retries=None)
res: 2:05:54
